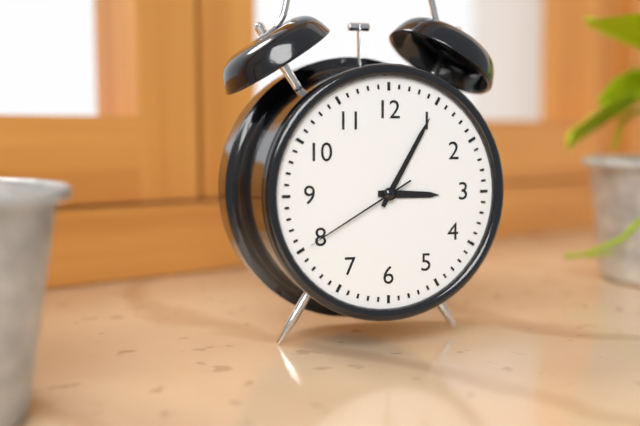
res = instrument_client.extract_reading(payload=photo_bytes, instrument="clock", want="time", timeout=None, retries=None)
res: 3:05:40
